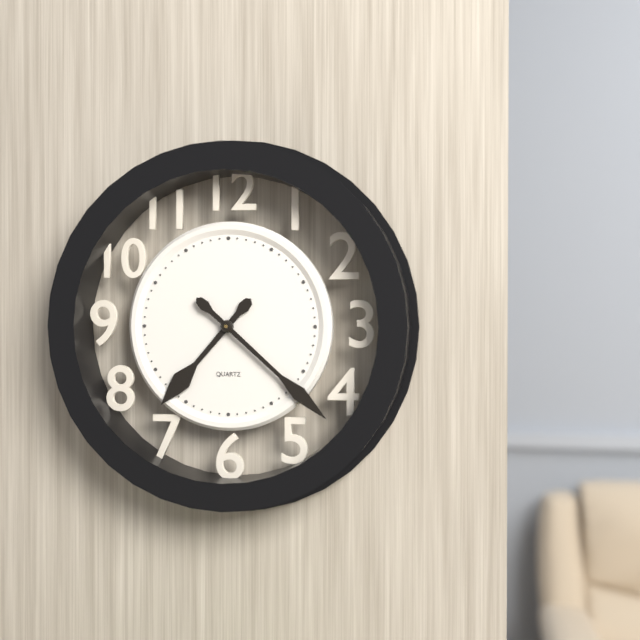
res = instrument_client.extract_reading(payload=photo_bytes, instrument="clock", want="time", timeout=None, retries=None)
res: 7:22
